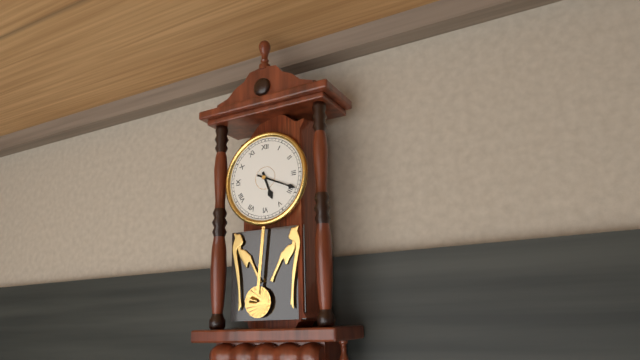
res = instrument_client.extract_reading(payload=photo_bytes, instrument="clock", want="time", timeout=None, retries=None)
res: 5:19
